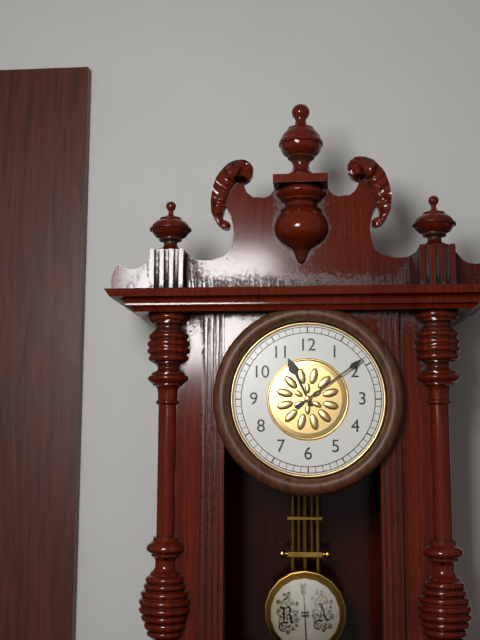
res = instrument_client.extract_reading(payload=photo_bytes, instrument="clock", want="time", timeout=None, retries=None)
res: 11:09
